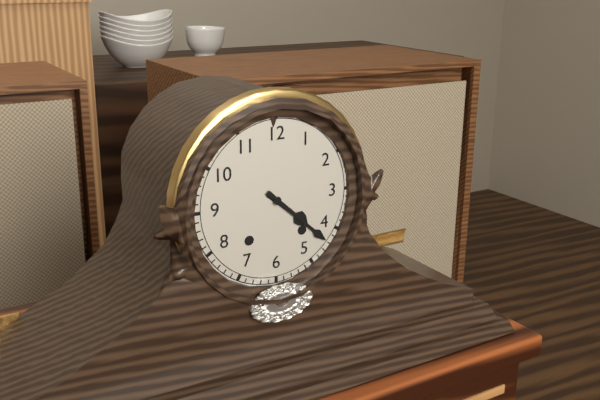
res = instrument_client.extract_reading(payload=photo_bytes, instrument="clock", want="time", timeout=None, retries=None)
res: 4:22
